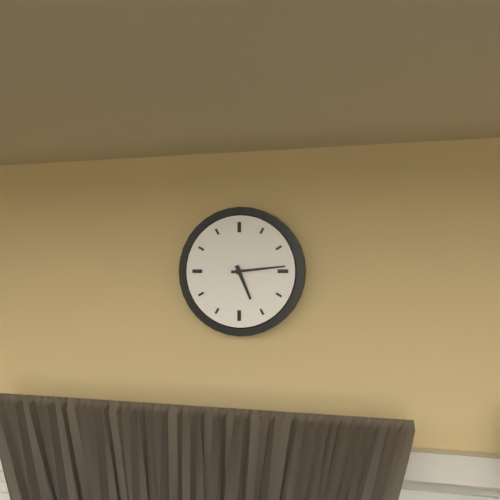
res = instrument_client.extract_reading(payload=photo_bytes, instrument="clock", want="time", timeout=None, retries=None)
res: 5:14
